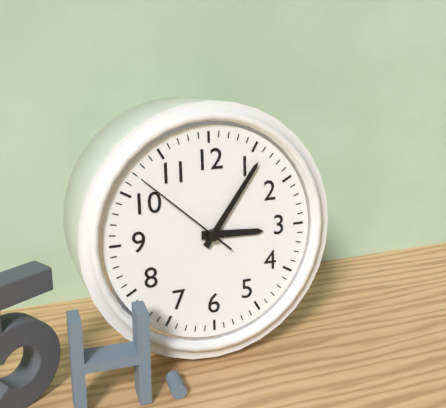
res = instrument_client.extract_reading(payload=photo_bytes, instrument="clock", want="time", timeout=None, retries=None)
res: 3:06:52
